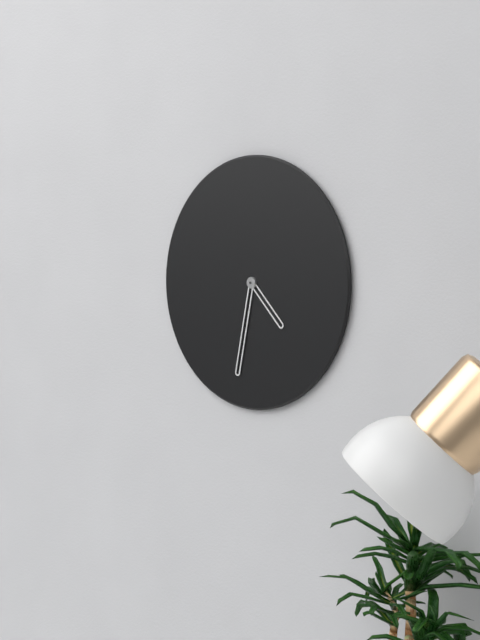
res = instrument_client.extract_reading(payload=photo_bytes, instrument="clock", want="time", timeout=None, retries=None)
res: 4:32
